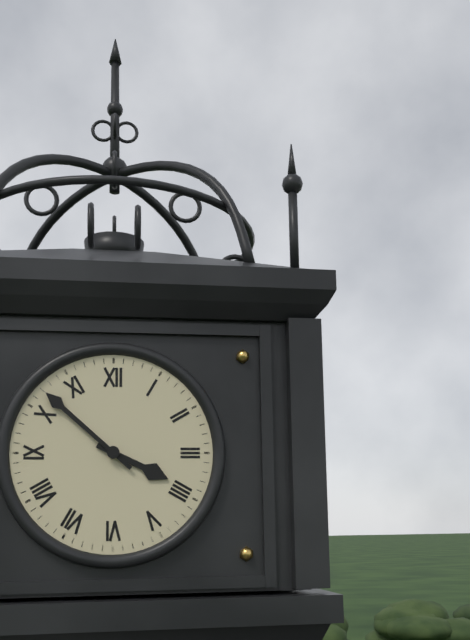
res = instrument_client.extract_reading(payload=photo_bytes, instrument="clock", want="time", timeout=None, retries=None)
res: 3:52
